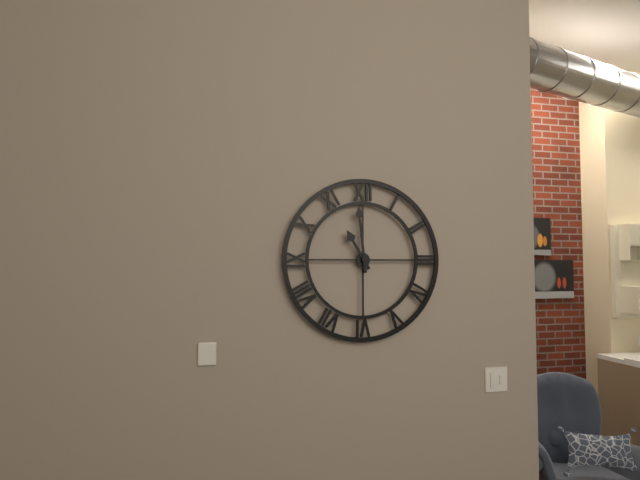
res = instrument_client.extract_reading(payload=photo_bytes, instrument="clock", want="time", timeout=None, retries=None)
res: 10:59
